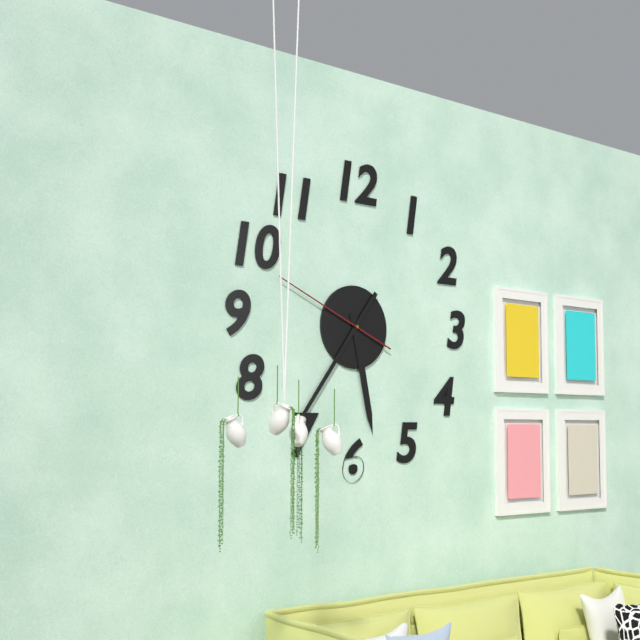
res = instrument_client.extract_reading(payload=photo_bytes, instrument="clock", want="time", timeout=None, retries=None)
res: 5:36:49
